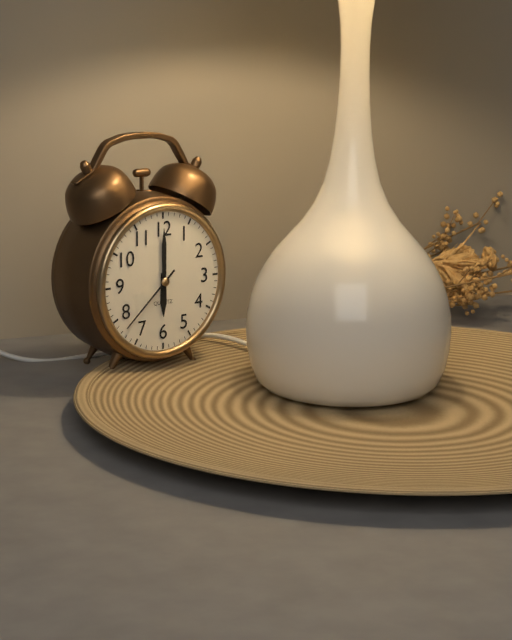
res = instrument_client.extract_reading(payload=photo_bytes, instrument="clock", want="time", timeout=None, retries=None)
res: 6:00:38
